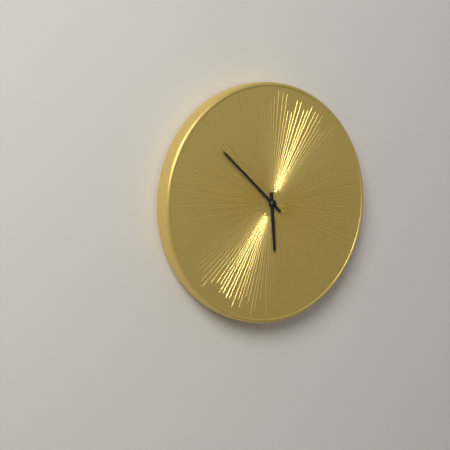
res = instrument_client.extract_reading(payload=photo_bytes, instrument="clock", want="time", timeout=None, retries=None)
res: 5:52
